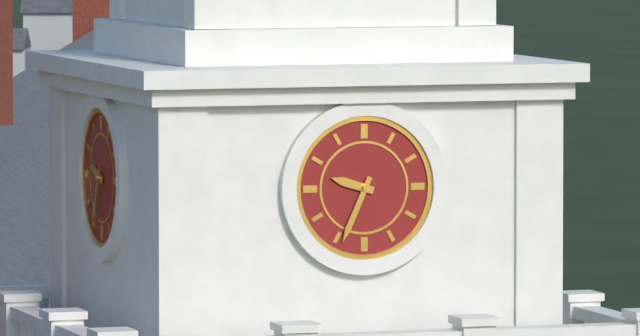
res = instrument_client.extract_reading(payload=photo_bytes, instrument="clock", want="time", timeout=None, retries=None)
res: 9:34
